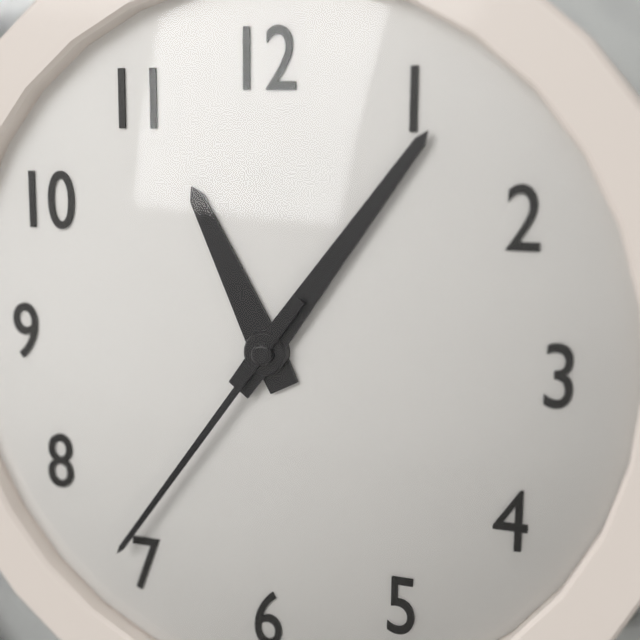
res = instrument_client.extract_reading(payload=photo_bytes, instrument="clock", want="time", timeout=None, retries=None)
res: 11:06:36
